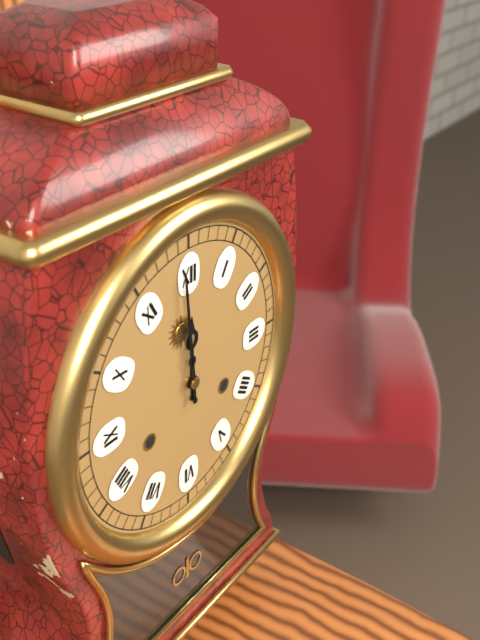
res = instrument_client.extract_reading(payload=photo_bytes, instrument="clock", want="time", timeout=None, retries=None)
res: 11:59
